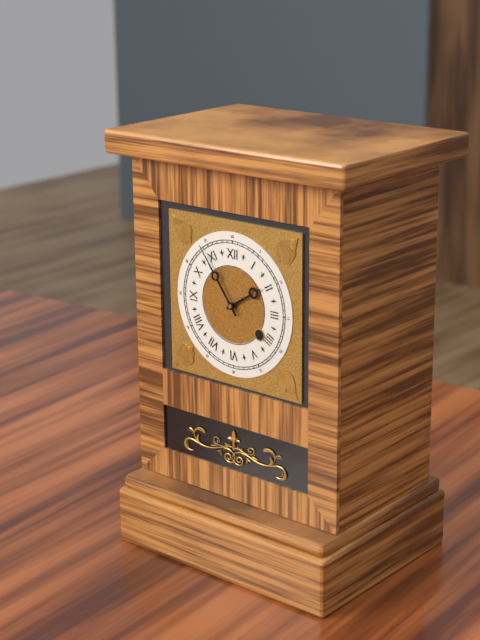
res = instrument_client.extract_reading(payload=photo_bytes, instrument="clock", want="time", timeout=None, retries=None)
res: 1:54
